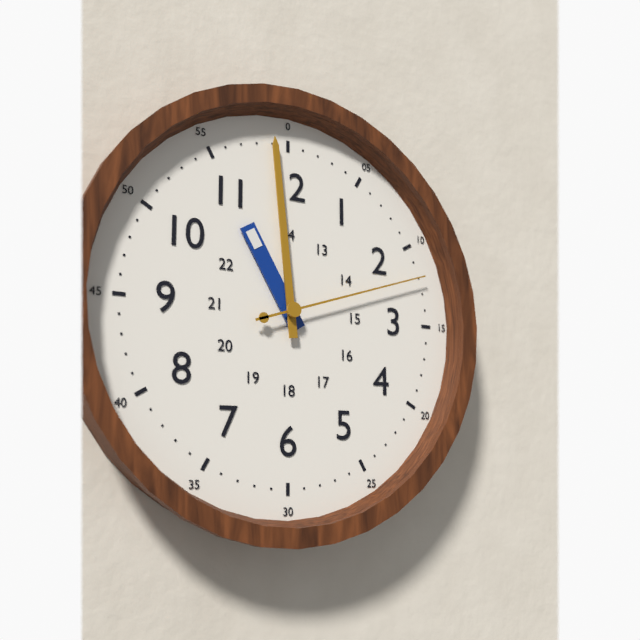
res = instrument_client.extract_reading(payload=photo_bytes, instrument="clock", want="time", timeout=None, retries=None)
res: 10:59:12
